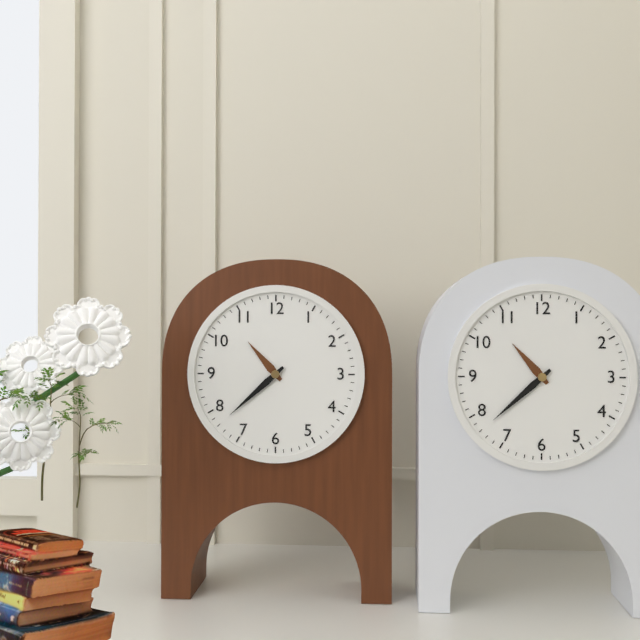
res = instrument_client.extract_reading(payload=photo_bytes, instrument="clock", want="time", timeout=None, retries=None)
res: 10:38
